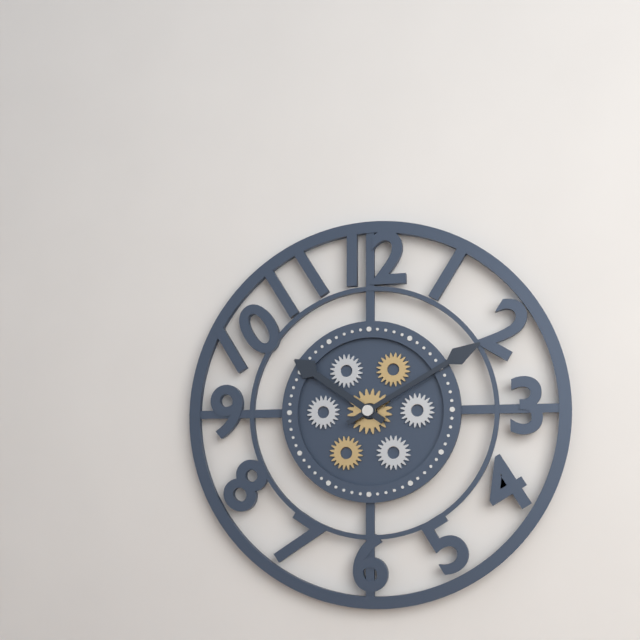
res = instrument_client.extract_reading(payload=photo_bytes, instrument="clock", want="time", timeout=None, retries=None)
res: 10:10
